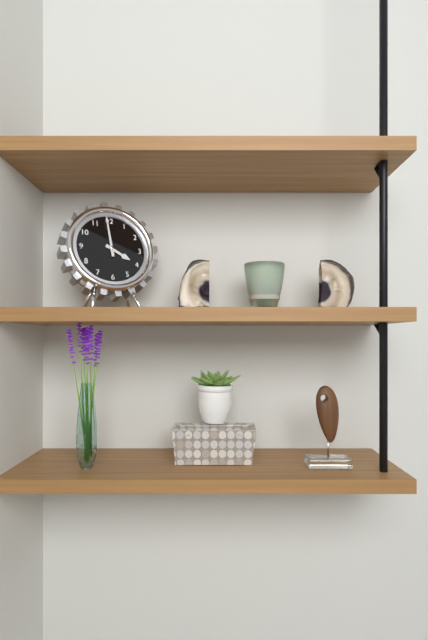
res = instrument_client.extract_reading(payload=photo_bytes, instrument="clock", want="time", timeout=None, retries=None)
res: 3:59
